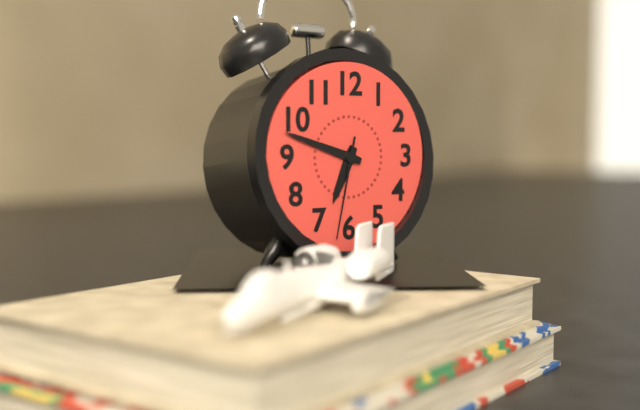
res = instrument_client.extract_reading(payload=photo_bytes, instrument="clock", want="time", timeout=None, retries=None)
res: 6:48:32
